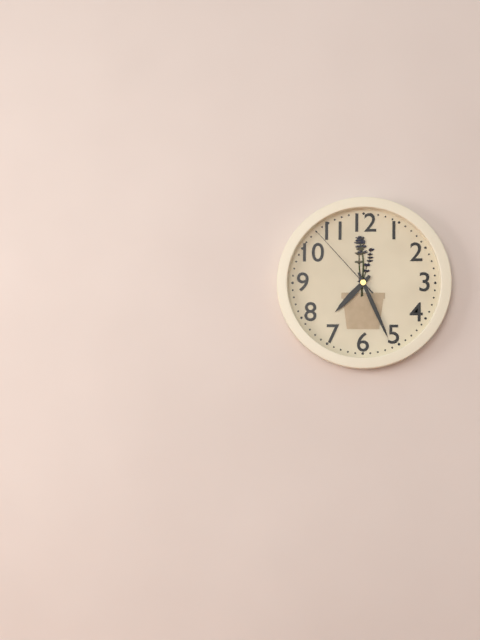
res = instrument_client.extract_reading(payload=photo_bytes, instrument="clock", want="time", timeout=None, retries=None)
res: 7:26:53
